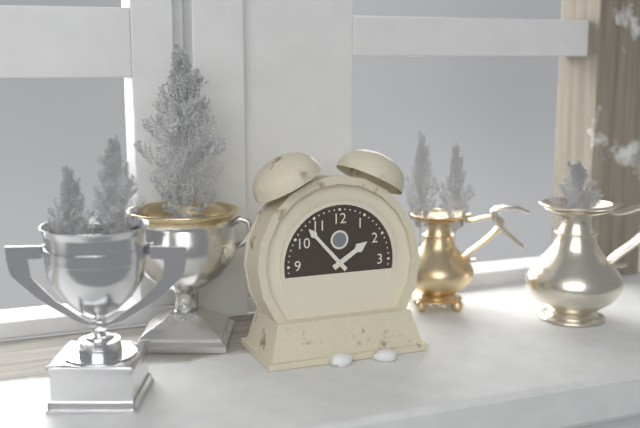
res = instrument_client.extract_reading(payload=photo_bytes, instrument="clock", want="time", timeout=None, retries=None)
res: 1:53
